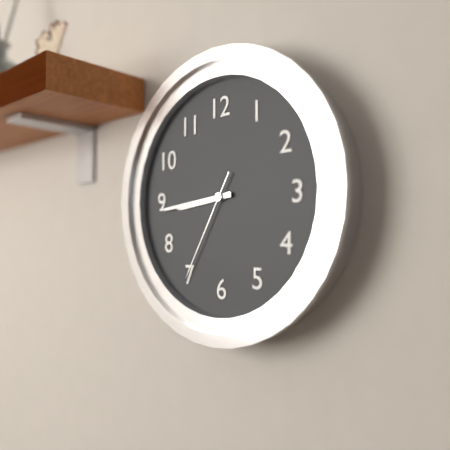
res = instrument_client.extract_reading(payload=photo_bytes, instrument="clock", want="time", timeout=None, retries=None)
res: 8:44:35
